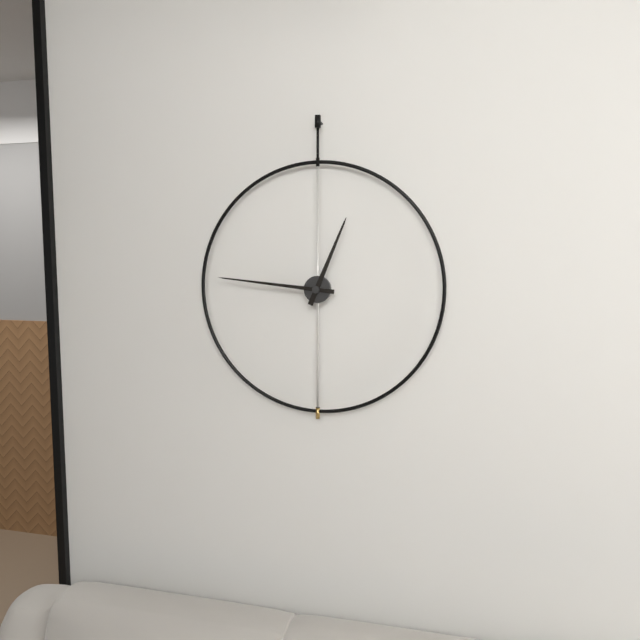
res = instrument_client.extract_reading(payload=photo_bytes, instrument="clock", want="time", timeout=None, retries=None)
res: 12:46
